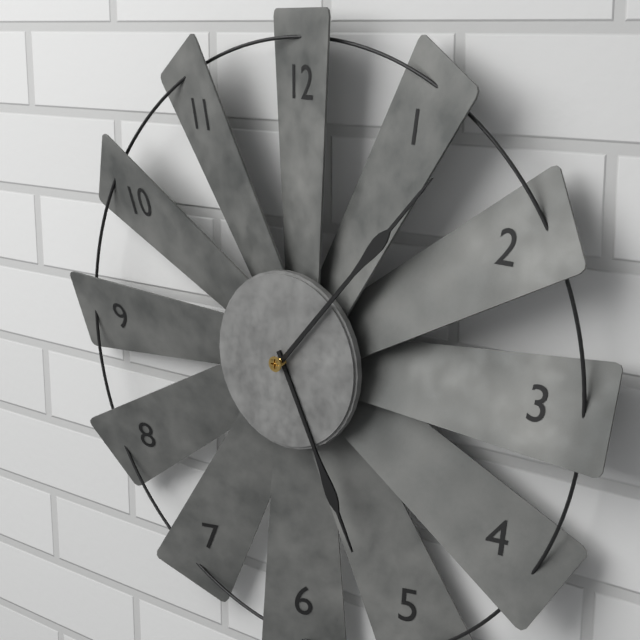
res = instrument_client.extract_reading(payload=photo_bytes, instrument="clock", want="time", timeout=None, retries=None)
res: 5:07
